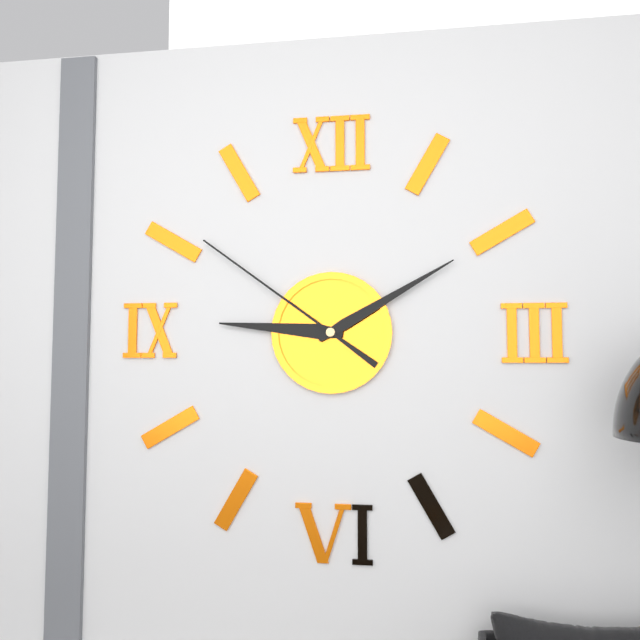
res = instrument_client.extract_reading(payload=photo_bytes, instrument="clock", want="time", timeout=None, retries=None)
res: 9:10:51
